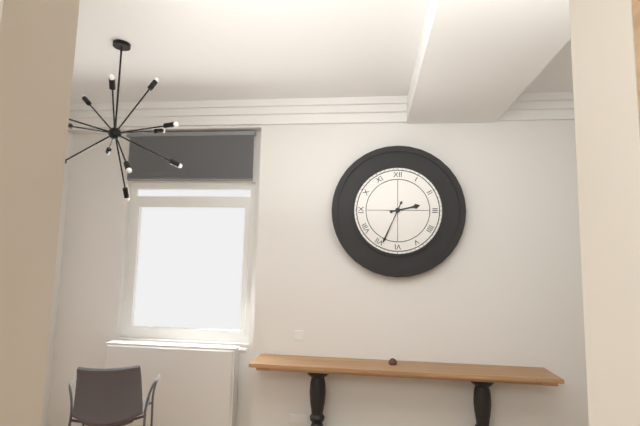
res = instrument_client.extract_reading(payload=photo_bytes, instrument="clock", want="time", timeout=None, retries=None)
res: 2:34
